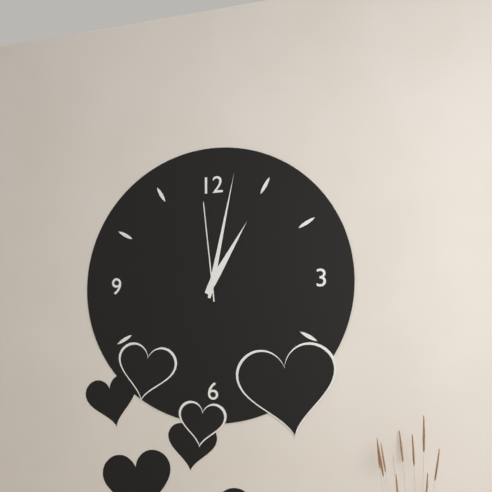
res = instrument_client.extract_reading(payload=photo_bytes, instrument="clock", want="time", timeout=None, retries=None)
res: 1:02:59
